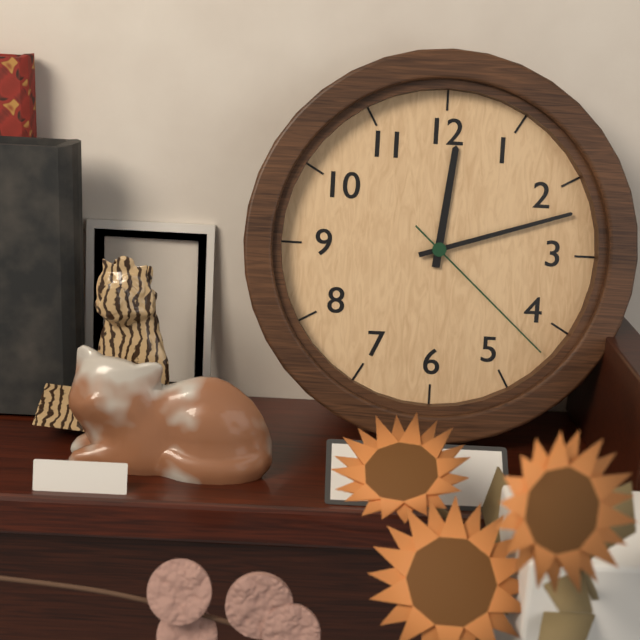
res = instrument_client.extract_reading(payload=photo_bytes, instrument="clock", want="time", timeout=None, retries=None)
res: 12:12:22
